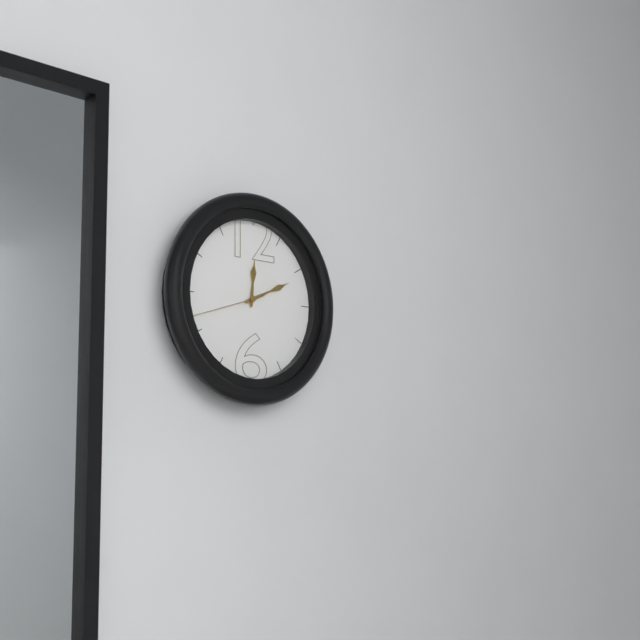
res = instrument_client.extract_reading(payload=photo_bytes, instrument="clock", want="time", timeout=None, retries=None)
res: 12:11:42
